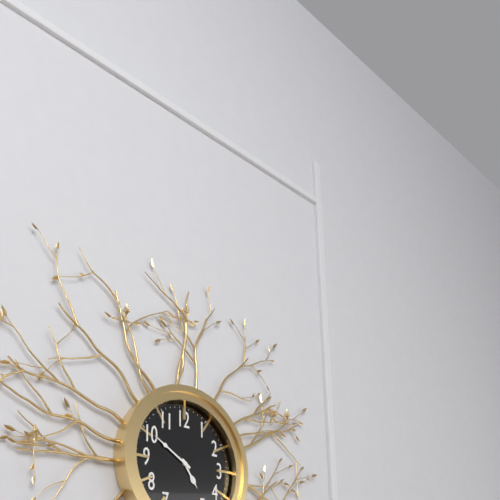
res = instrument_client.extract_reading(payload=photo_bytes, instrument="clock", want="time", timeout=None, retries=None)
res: 4:50
